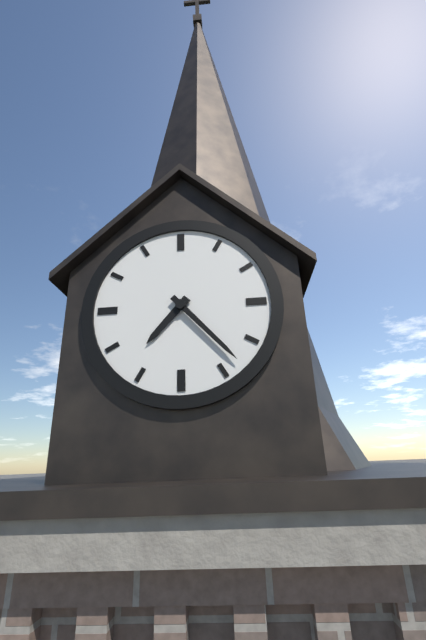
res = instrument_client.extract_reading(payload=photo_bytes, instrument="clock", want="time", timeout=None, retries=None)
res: 7:23
